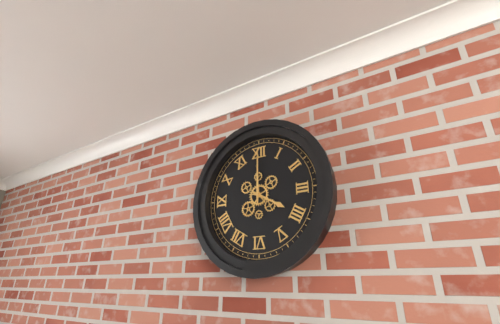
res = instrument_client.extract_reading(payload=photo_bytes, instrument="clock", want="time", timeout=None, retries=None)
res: 4:00
